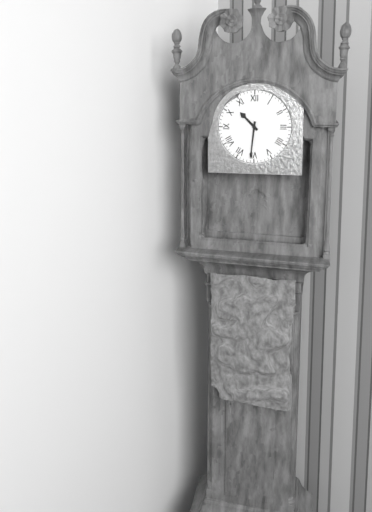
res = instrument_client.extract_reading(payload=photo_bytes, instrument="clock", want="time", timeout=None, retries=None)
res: 10:31
